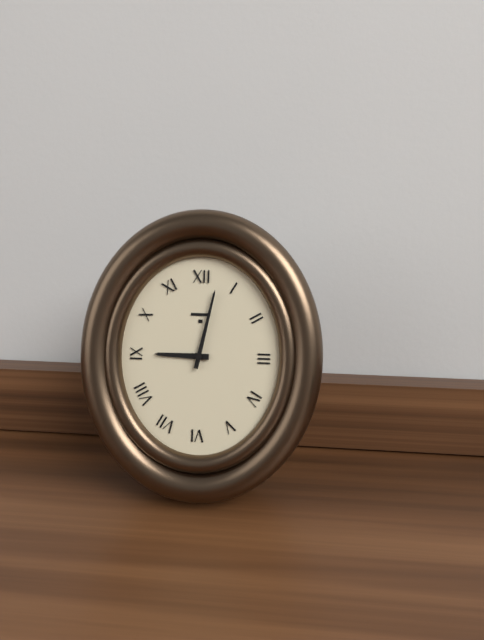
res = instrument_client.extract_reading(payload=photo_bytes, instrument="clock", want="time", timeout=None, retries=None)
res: 9:02
